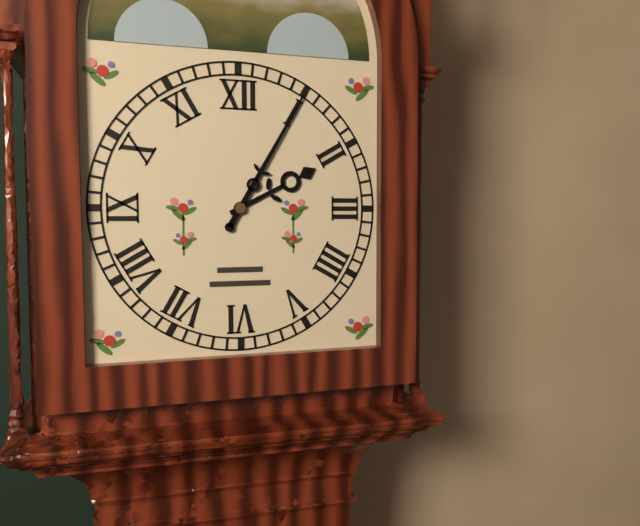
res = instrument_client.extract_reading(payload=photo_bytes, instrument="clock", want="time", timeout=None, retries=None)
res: 2:05
